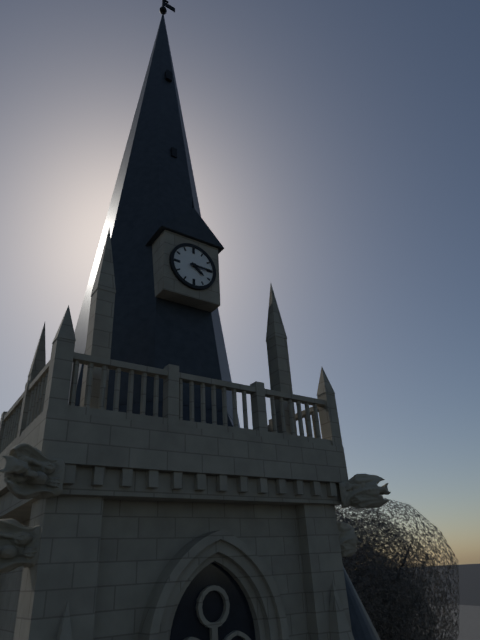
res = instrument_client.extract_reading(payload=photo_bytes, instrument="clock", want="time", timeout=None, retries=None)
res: 4:15
